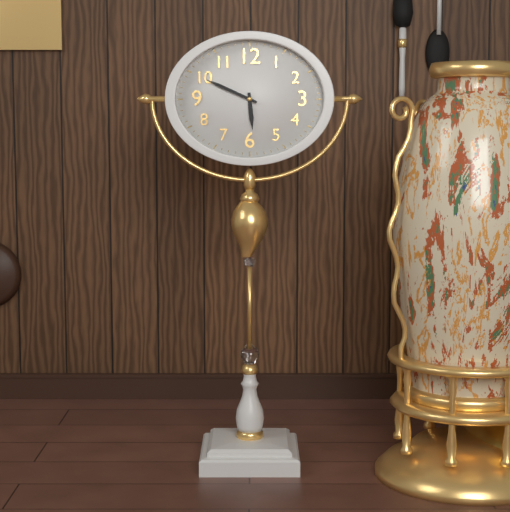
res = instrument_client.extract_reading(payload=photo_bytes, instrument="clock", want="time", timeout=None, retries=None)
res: 5:49
